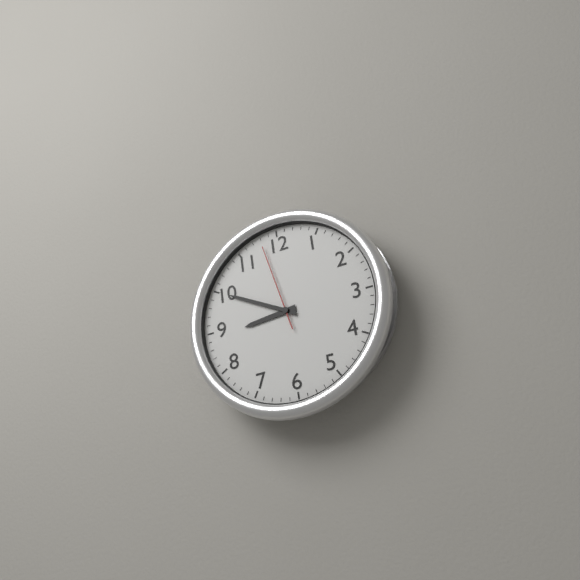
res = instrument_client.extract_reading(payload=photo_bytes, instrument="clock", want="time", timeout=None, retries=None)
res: 8:50:58
